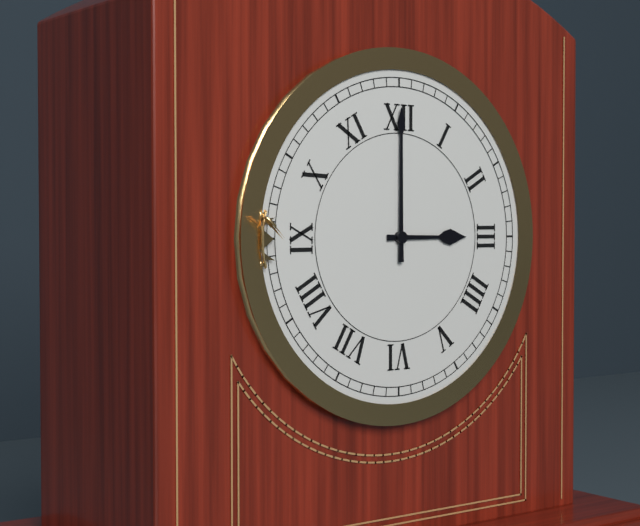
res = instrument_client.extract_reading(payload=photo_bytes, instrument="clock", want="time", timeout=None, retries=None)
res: 3:00
